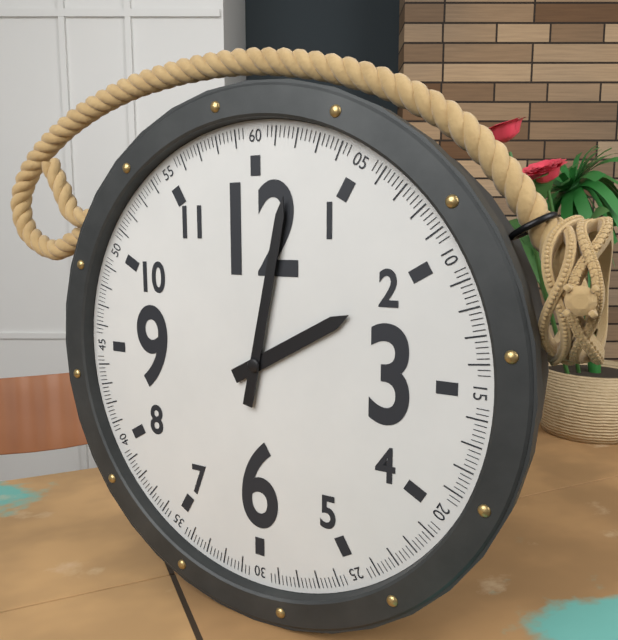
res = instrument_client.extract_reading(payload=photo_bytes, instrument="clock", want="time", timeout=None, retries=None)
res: 2:02
